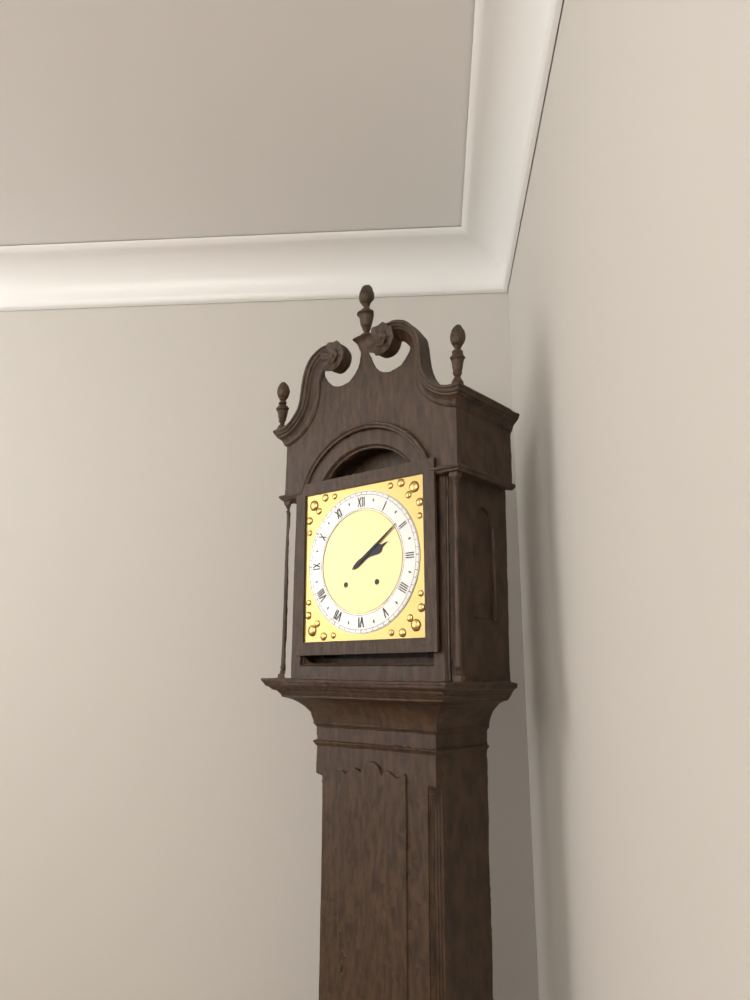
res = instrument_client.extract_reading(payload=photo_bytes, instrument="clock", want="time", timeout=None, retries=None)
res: 2:09
